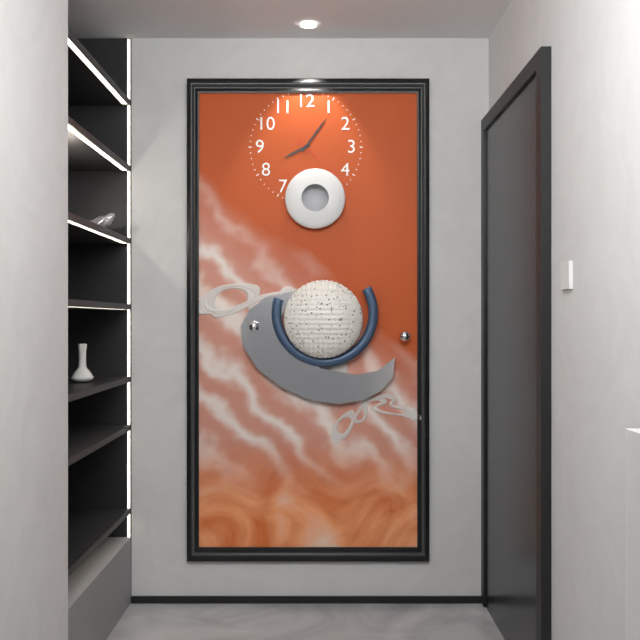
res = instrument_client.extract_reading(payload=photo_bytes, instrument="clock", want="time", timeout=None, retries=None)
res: 8:06:22
